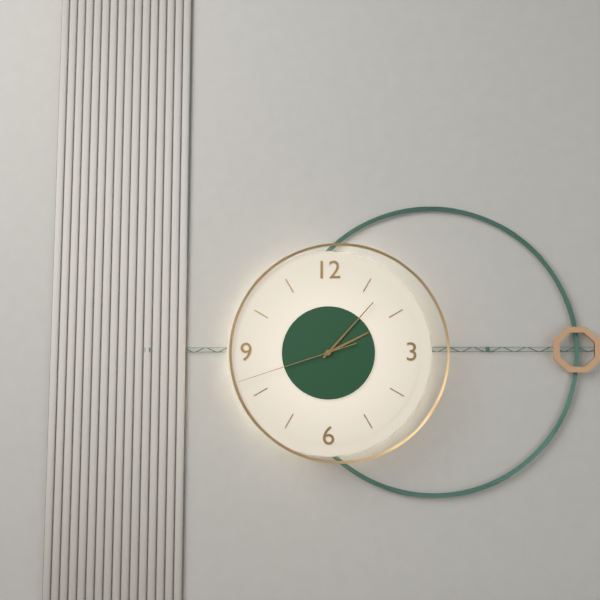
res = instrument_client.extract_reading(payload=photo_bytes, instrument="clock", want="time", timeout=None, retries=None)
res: 2:07:42
